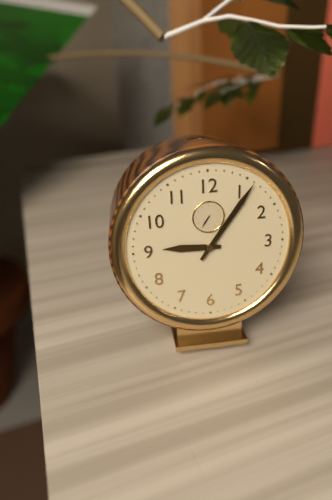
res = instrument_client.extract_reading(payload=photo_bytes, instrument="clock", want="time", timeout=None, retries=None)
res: 9:06
